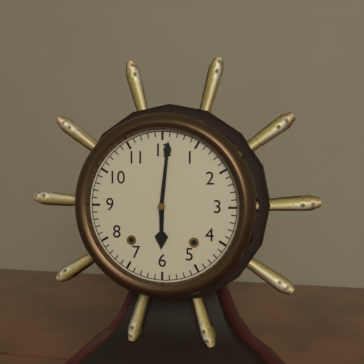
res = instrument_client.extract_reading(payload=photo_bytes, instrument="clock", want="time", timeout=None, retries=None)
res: 6:01
